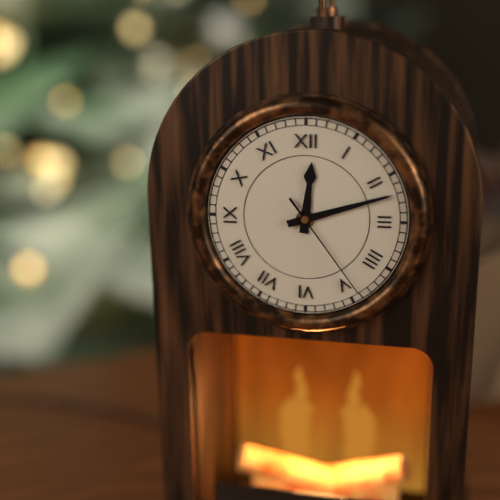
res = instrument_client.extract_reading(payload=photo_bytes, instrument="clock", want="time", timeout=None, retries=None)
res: 12:12:24
